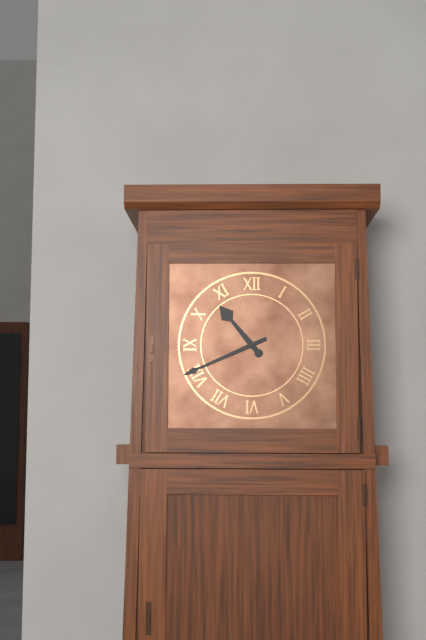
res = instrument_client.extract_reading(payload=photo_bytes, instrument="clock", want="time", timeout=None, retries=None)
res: 10:41
